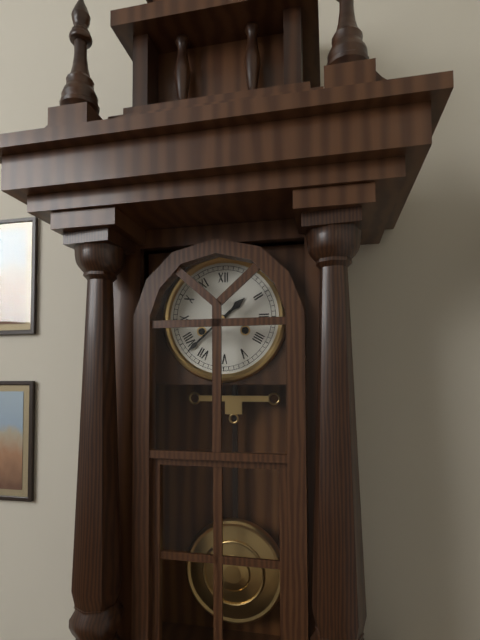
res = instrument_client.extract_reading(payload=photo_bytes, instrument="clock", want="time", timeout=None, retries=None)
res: 1:38
